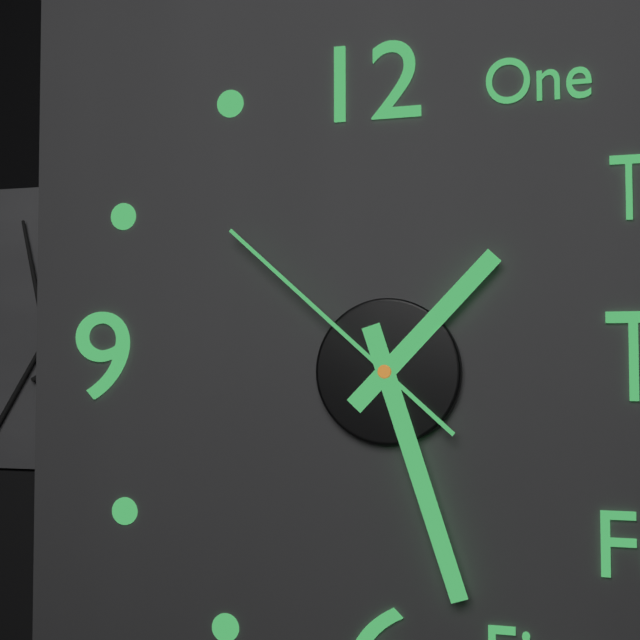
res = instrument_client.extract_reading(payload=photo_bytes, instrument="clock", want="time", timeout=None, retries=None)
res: 1:27:52
